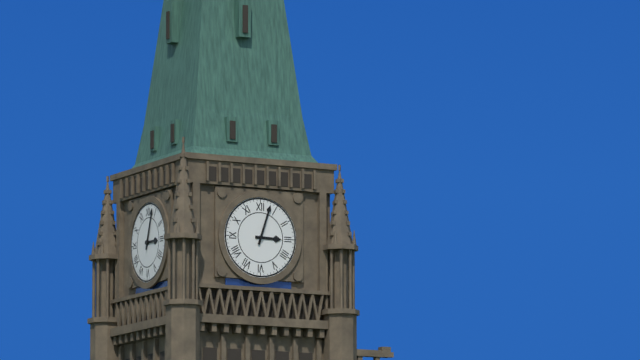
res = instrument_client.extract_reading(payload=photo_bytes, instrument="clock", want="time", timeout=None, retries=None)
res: 3:03
